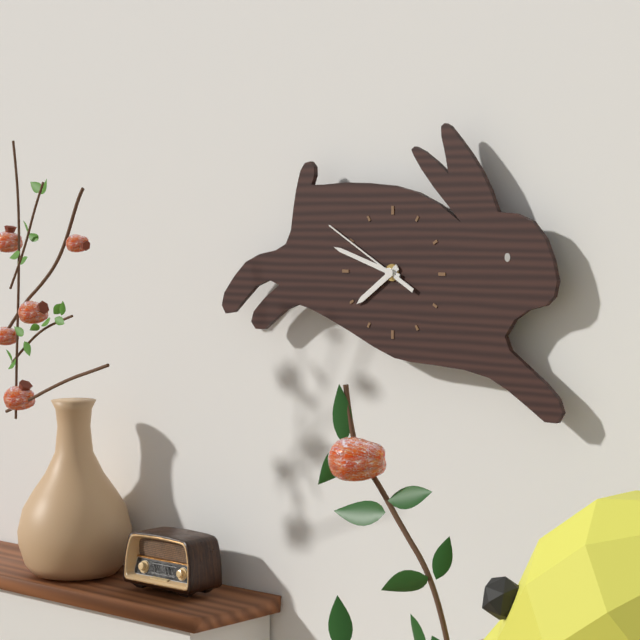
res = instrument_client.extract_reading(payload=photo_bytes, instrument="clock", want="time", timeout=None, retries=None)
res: 7:48:50
